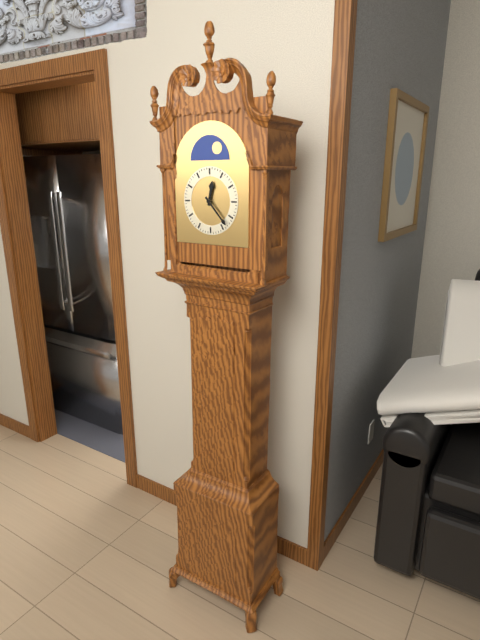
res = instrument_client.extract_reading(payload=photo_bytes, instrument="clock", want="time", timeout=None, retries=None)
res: 12:23
